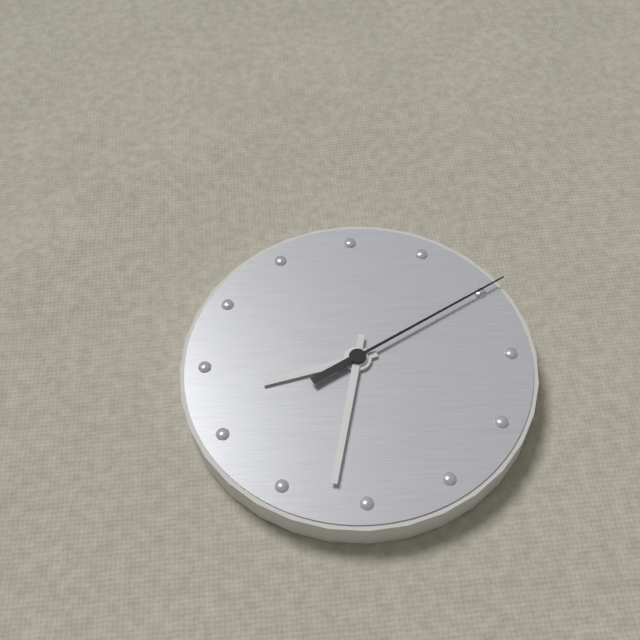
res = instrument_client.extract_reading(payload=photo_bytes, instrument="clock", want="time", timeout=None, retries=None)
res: 8:32:10
